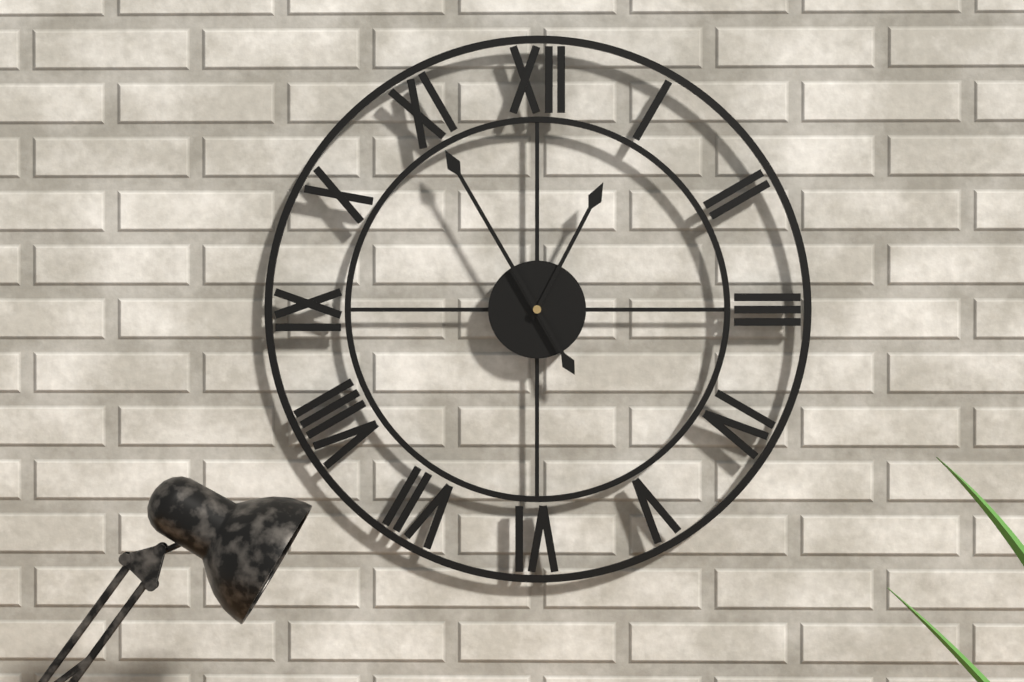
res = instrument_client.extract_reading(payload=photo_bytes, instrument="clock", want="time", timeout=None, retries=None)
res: 12:55
